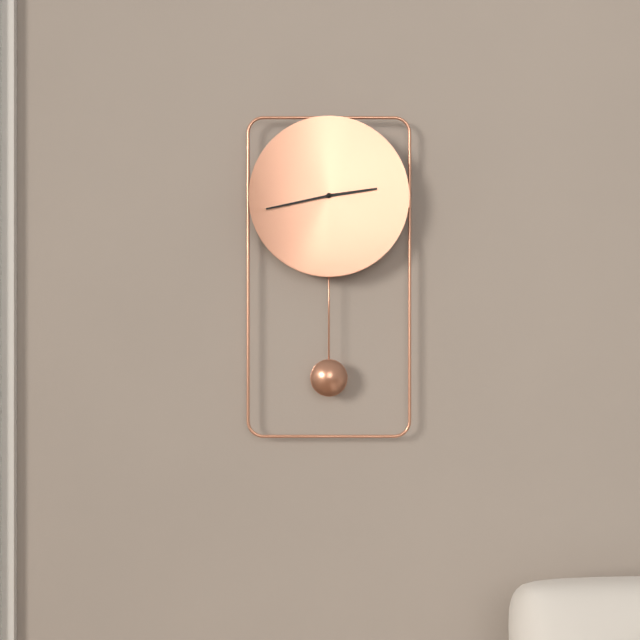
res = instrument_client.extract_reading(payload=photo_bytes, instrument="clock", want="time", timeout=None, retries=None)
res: 2:43
